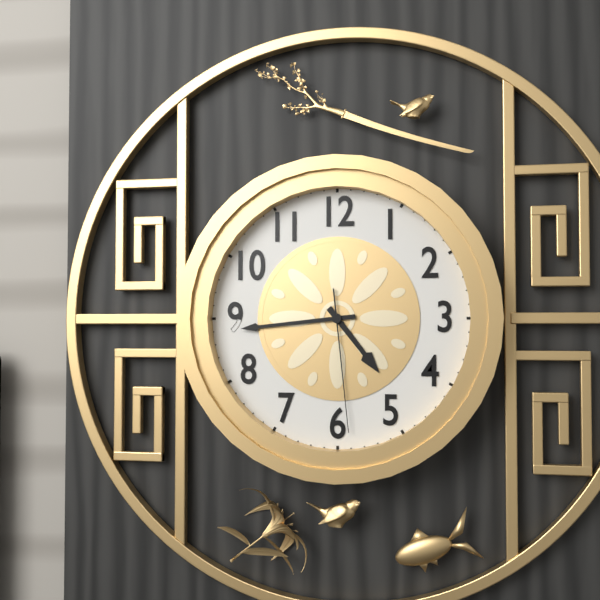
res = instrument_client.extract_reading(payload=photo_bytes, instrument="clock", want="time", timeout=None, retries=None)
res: 4:44:29
